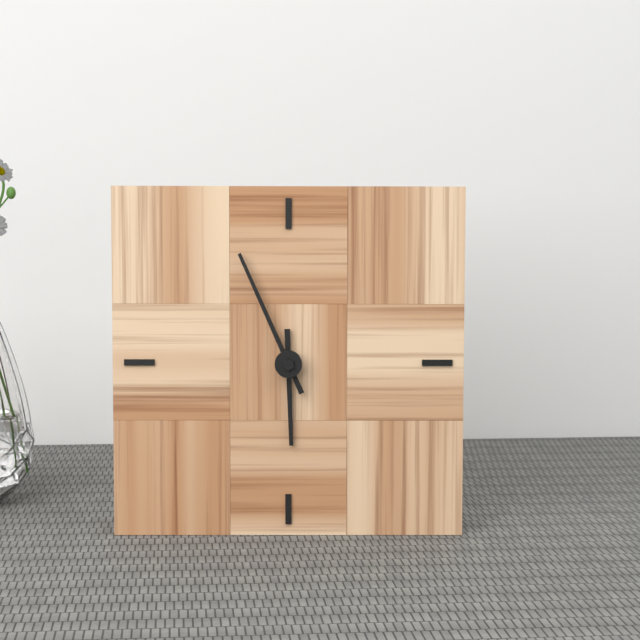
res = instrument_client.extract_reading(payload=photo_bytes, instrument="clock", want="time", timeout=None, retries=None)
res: 5:56
